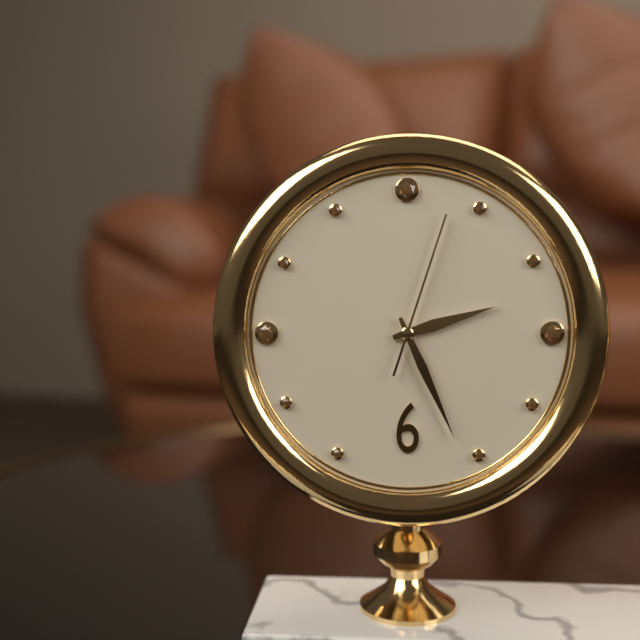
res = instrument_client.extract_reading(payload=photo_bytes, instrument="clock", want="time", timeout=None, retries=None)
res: 2:26:03
